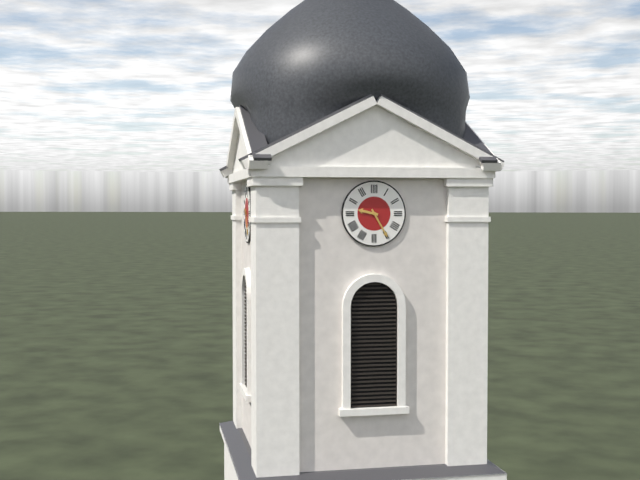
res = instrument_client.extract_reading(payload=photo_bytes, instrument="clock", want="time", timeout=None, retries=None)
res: 9:25
